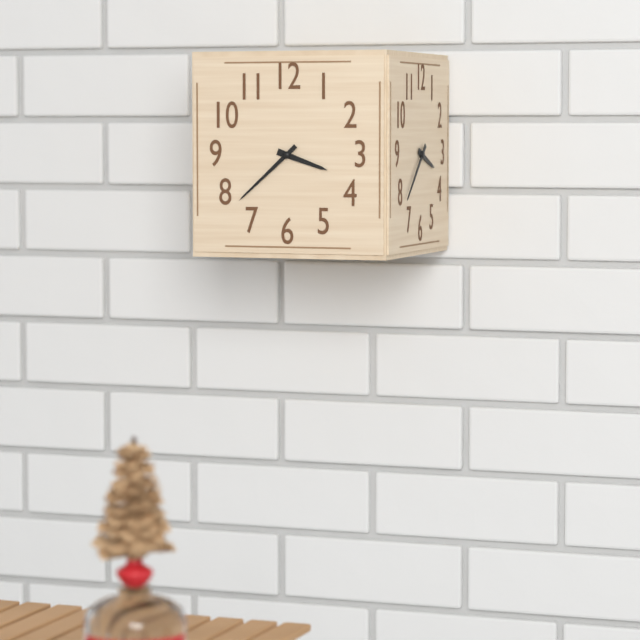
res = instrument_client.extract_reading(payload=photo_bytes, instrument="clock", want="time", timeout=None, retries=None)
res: 3:38
